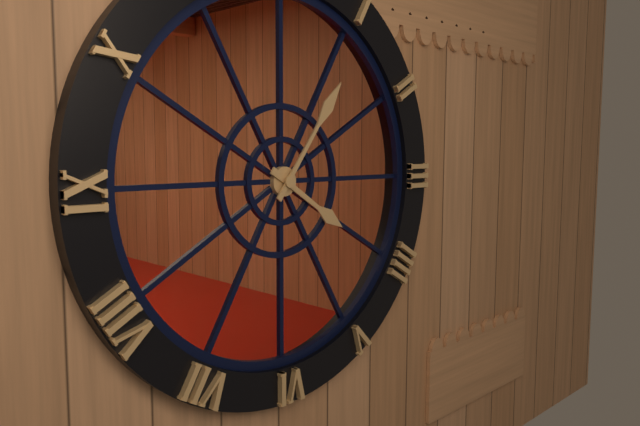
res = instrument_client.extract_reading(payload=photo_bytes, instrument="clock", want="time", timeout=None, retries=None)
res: 4:06
